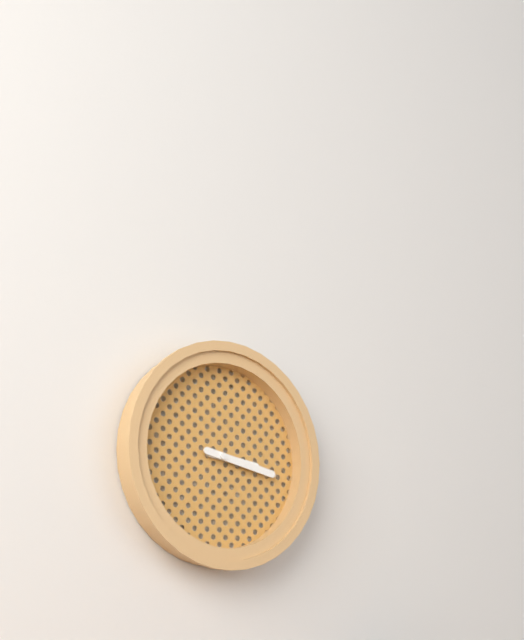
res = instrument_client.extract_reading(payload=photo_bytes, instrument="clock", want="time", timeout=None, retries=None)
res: 3:17
